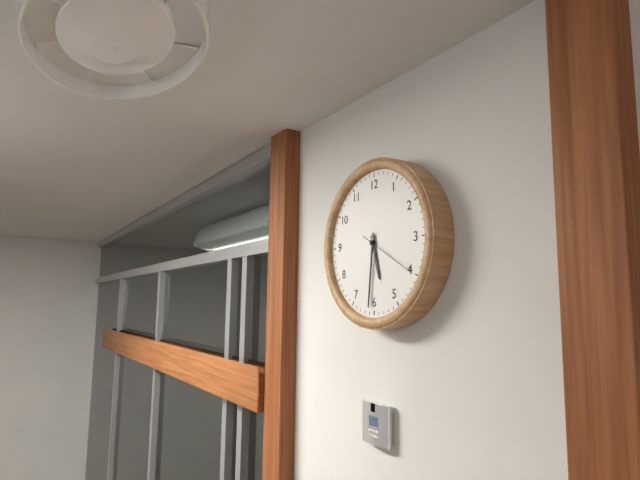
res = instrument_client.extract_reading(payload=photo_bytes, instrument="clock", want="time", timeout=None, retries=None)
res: 5:31:20
